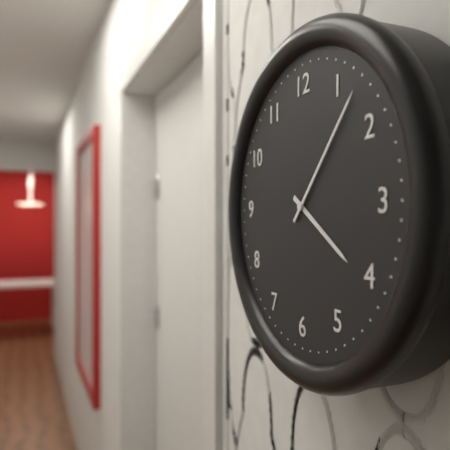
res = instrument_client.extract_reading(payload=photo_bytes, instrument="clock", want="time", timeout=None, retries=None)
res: 4:07
